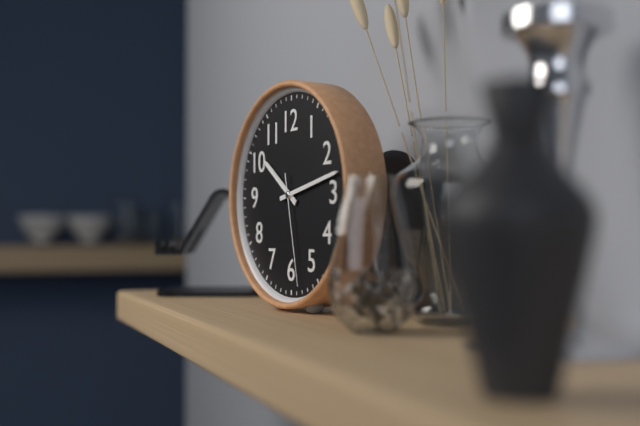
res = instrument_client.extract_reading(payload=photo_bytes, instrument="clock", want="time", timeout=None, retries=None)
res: 10:13:28
